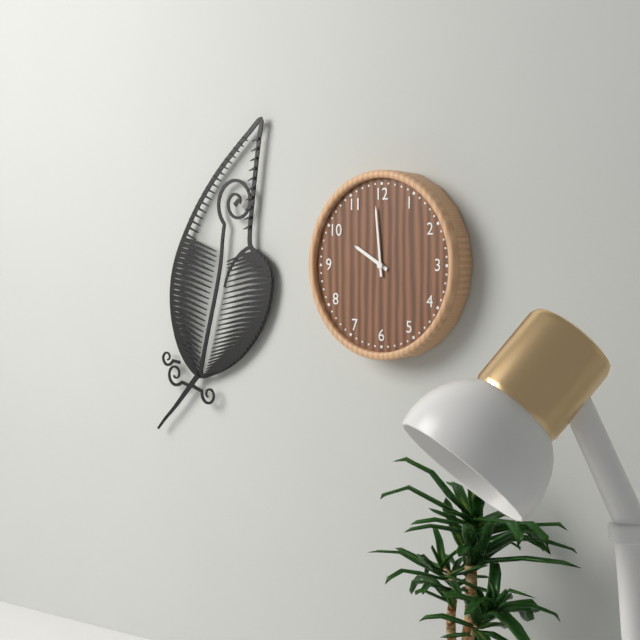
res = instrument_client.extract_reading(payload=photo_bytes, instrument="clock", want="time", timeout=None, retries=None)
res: 9:59
